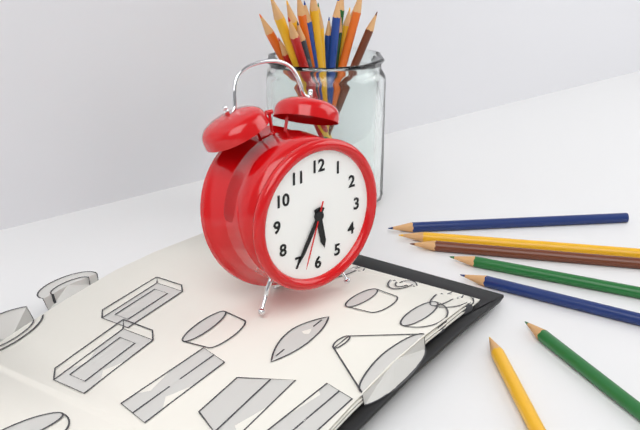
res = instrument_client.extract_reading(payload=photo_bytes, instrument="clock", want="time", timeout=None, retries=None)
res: 5:35:33
